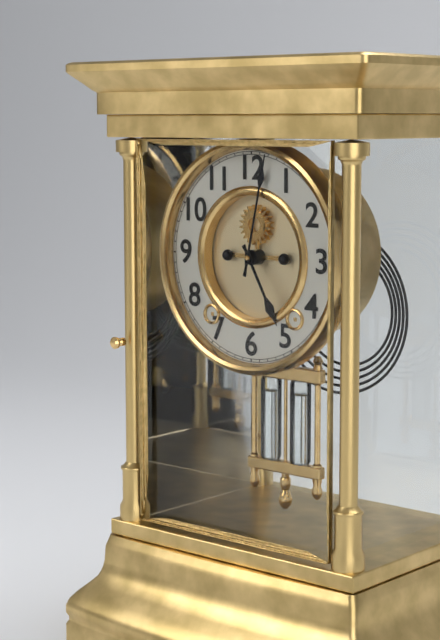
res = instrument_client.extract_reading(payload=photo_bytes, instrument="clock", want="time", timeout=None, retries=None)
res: 5:02
